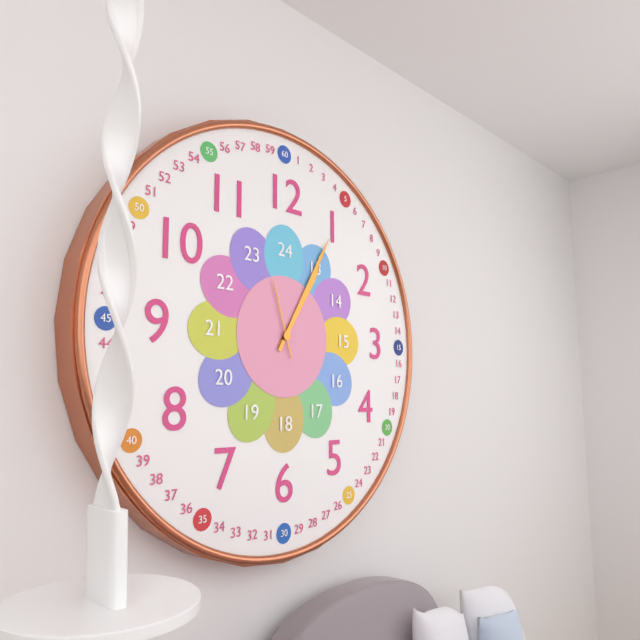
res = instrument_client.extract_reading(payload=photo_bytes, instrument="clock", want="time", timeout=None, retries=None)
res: 1:05:57
